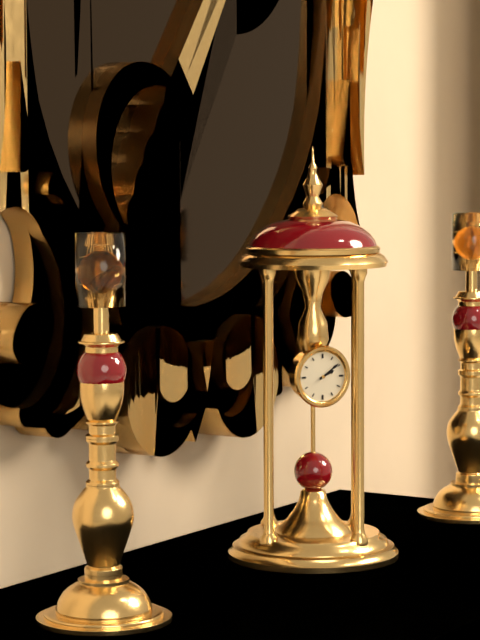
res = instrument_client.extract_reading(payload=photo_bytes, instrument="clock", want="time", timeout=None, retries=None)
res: 2:09
